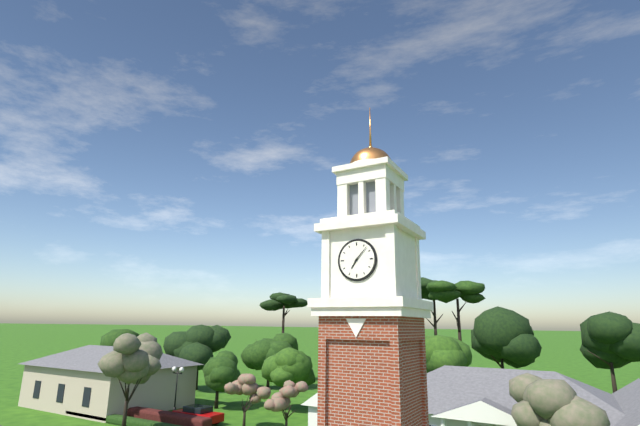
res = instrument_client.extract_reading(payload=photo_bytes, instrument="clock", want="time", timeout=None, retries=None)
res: 7:07
